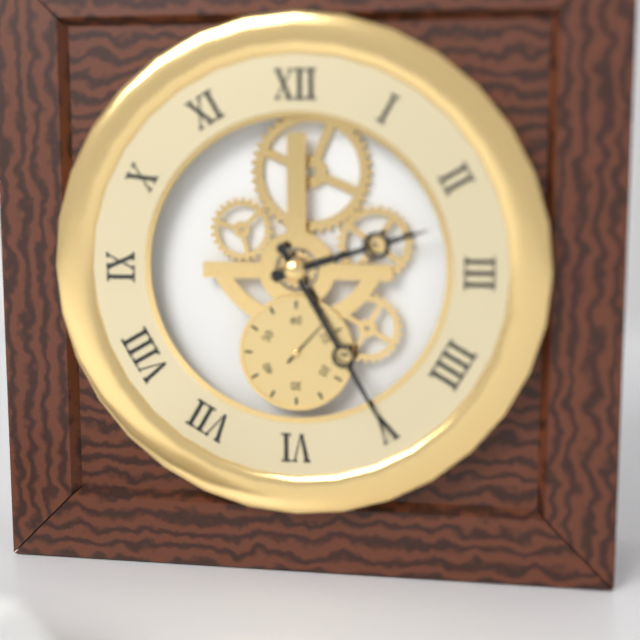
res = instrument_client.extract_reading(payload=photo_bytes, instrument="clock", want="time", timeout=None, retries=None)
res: 2:25
